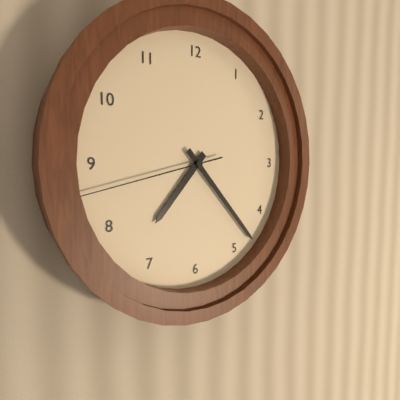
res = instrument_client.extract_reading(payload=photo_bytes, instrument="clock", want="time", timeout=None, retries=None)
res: 7:23:43
